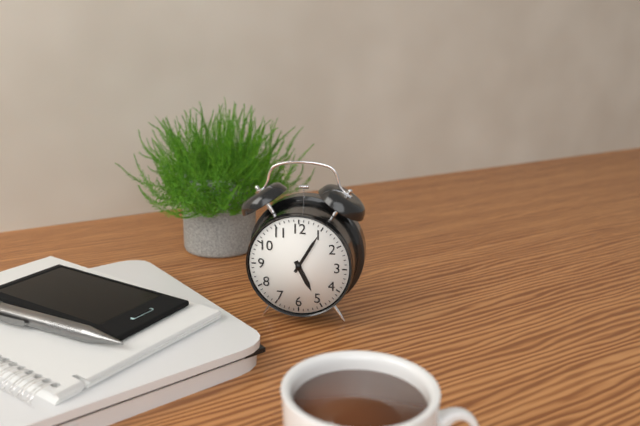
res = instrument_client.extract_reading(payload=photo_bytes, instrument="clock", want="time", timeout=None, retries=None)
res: 5:05
